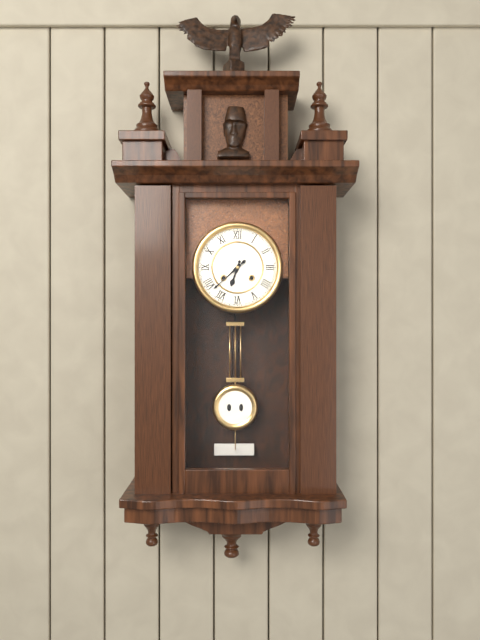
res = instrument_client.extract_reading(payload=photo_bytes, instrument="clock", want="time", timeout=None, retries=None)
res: 6:38
